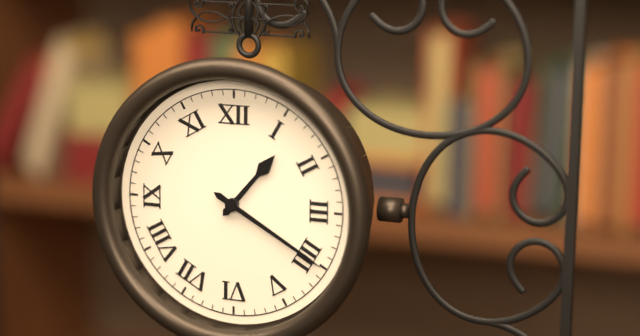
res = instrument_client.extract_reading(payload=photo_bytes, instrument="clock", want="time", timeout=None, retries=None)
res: 1:20
